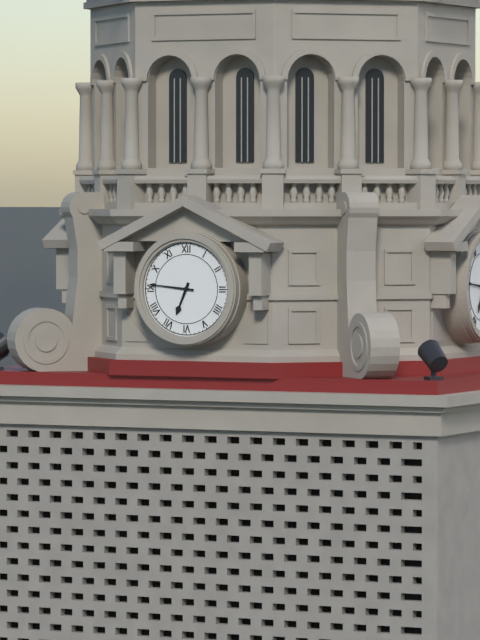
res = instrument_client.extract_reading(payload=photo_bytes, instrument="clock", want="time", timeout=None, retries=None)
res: 6:46
